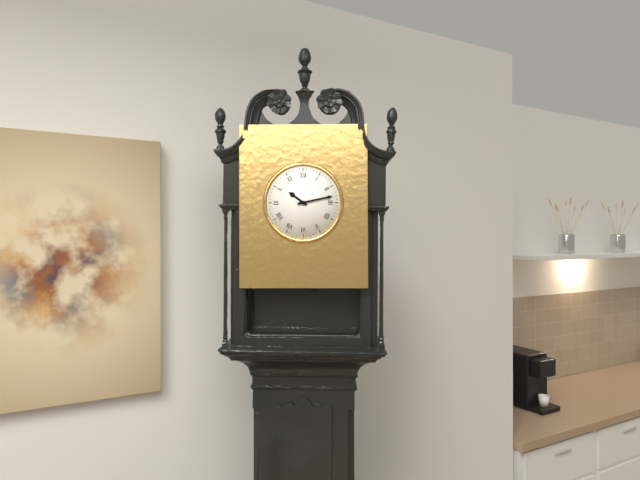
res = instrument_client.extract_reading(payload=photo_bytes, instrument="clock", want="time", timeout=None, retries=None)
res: 10:13
